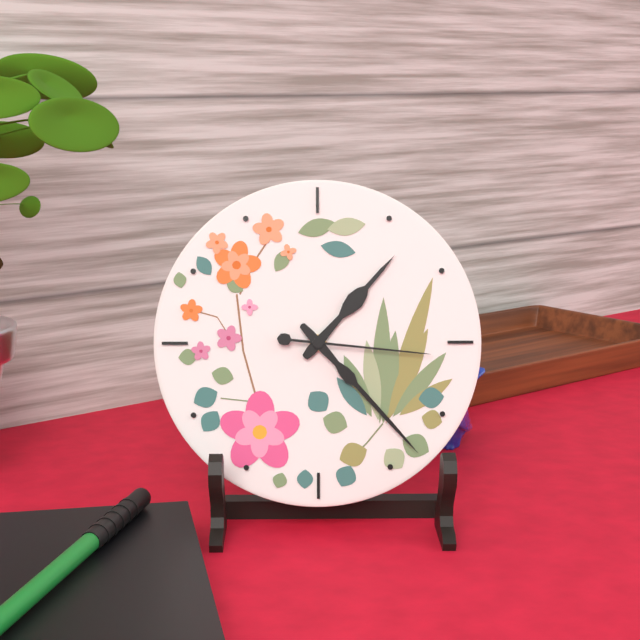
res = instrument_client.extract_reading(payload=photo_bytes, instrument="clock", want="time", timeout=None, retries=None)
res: 1:23:16
